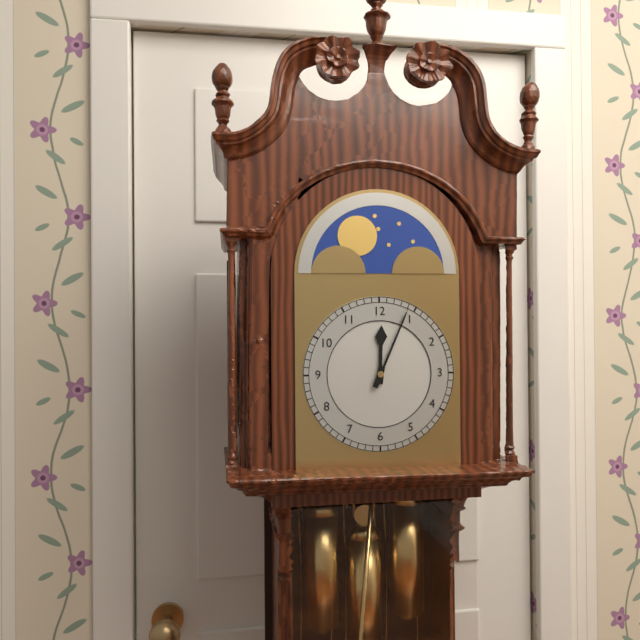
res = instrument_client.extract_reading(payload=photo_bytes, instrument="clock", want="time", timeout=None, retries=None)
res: 12:04
